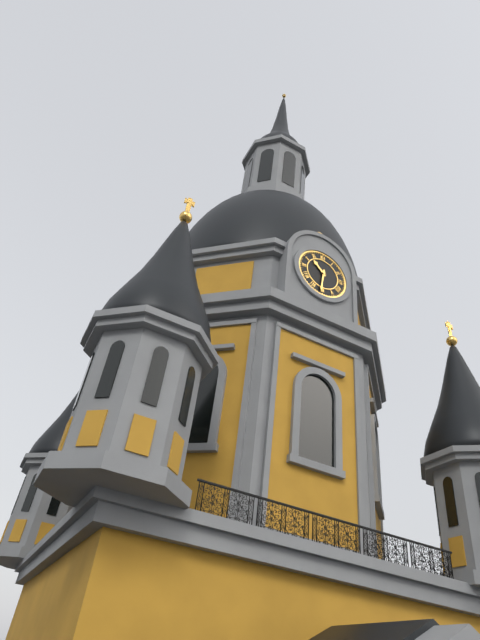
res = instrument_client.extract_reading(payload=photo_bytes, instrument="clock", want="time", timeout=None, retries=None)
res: 10:31
